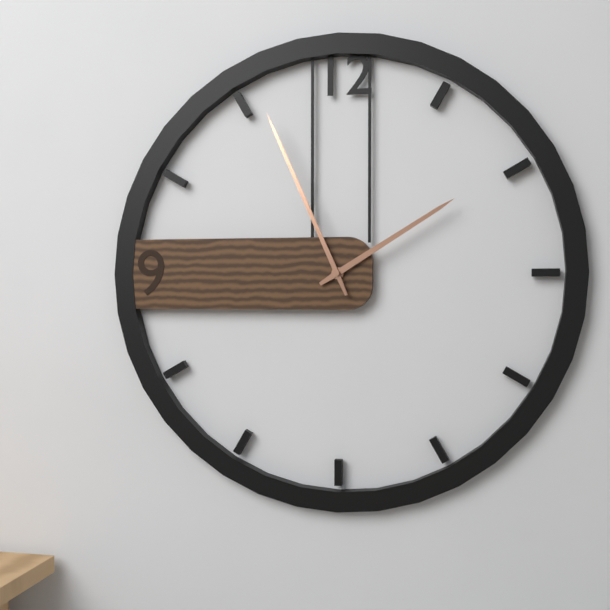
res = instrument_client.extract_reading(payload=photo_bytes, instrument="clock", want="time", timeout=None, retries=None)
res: 1:56
